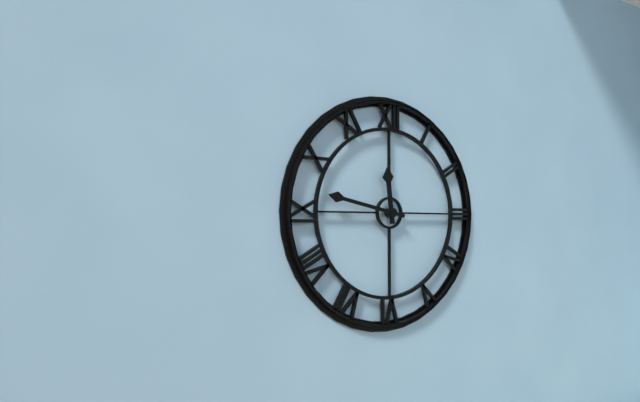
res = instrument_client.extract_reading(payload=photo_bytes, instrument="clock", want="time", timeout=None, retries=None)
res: 11:47
